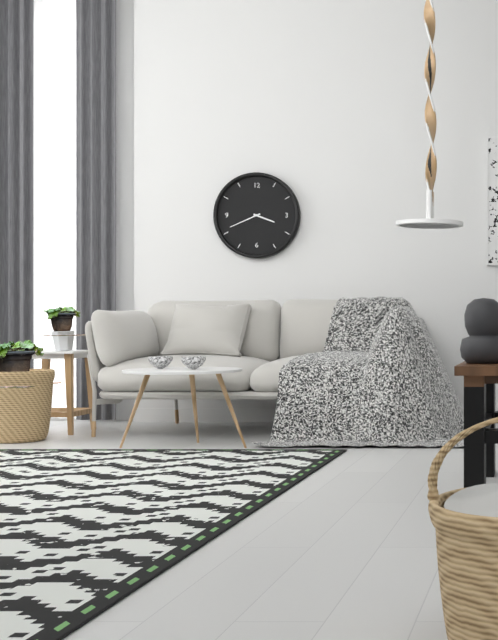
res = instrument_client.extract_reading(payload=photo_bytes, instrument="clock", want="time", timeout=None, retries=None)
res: 3:41
